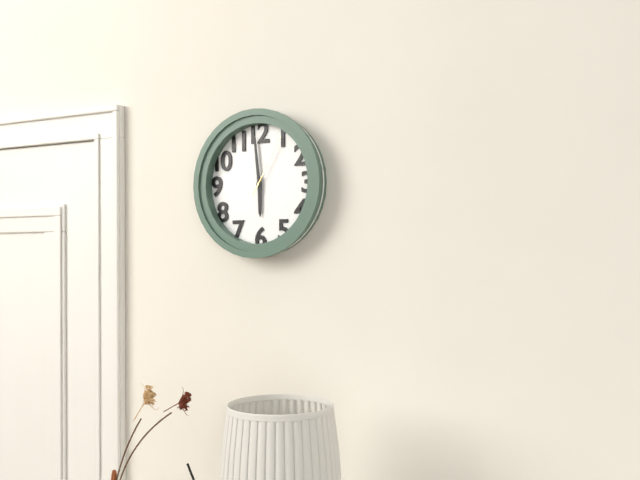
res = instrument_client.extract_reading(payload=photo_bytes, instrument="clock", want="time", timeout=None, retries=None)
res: 5:59:05
